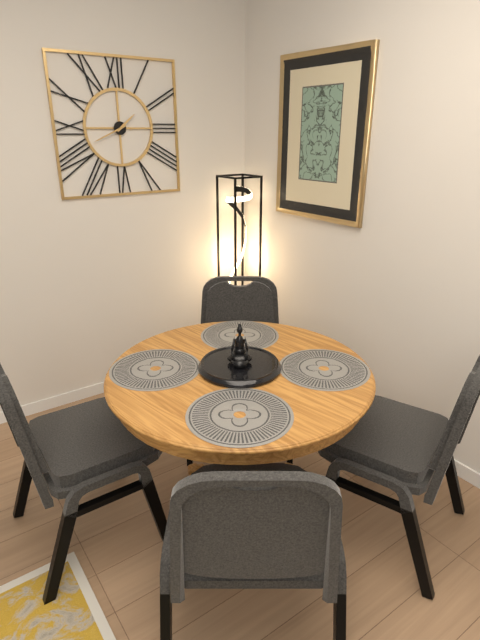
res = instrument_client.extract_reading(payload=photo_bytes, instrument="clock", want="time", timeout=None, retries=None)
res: 1:41
